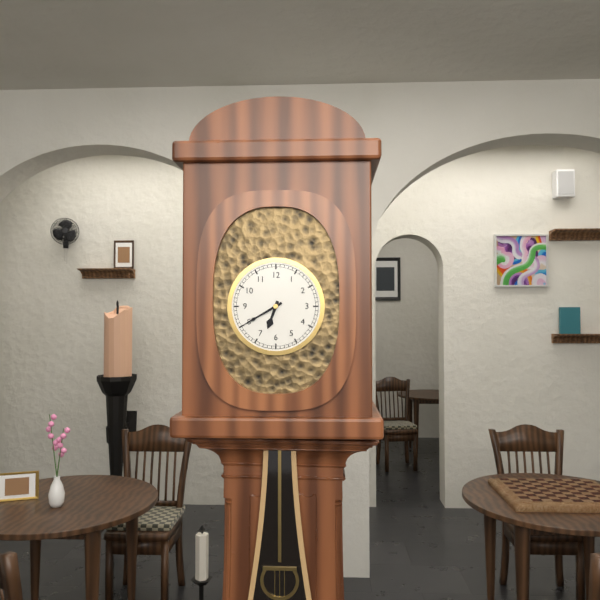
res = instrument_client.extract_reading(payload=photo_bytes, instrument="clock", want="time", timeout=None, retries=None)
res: 6:40
